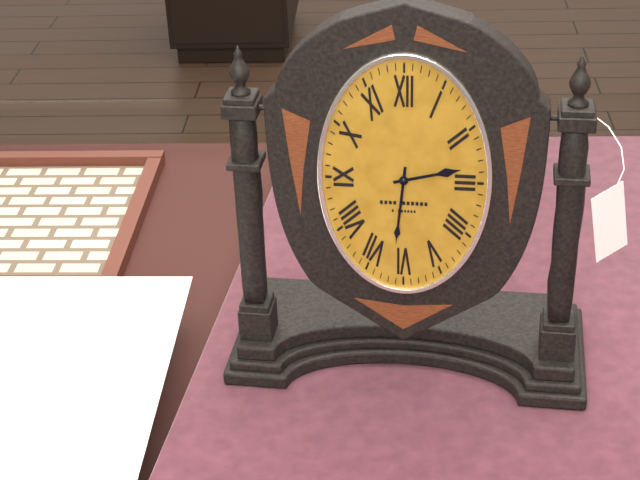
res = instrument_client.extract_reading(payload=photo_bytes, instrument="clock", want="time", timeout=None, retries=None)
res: 2:31
